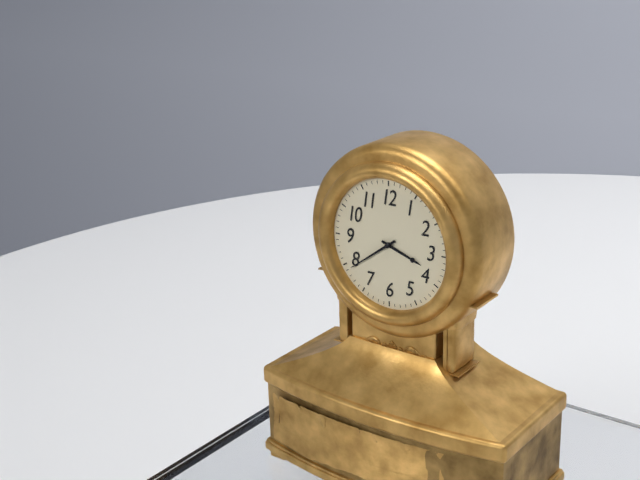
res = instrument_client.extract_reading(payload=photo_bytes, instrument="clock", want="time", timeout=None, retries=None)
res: 3:39
